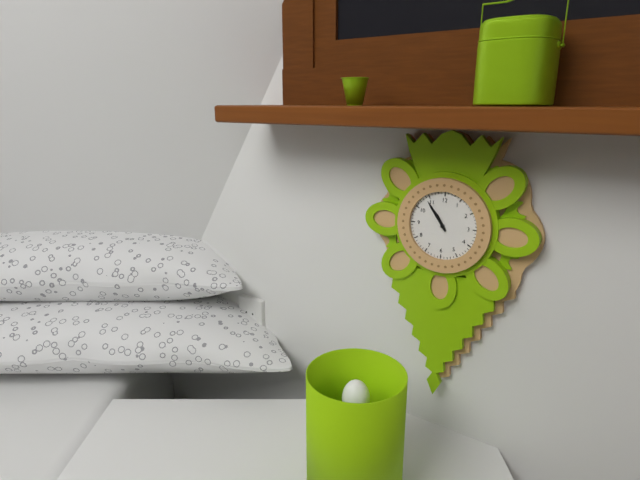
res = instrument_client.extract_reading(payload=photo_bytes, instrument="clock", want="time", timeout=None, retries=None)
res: 10:54
